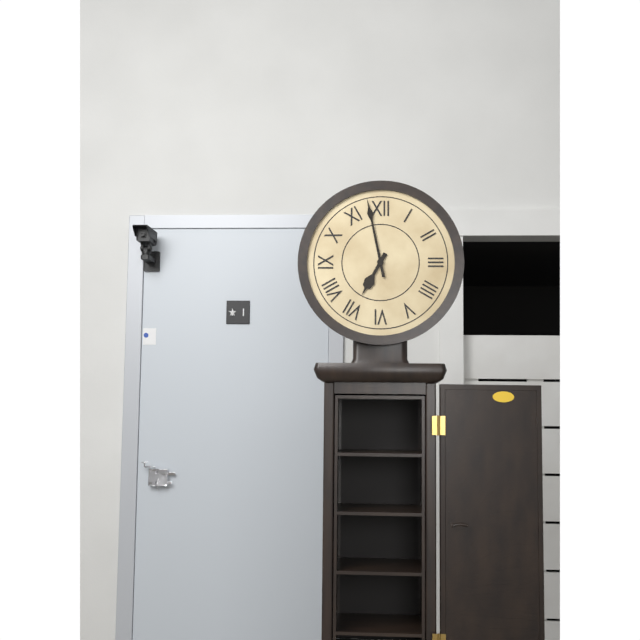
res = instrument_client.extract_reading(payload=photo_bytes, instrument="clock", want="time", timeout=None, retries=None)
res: 6:58
